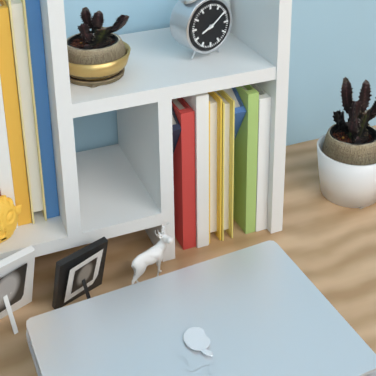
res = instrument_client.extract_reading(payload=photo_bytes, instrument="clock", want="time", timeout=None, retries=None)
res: 8:09
